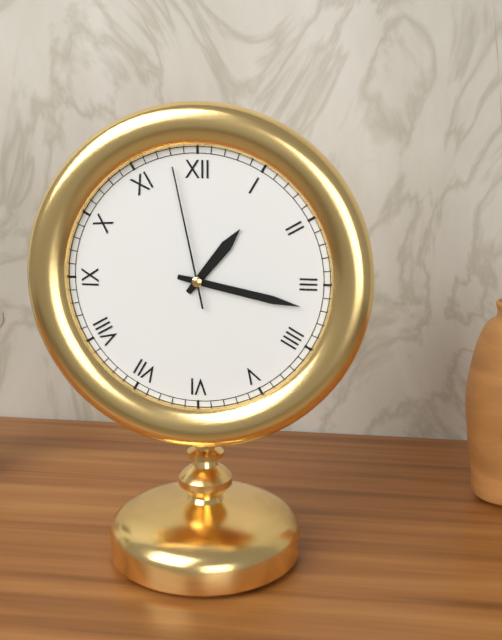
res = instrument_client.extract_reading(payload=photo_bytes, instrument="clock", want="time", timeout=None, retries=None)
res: 1:17:58
